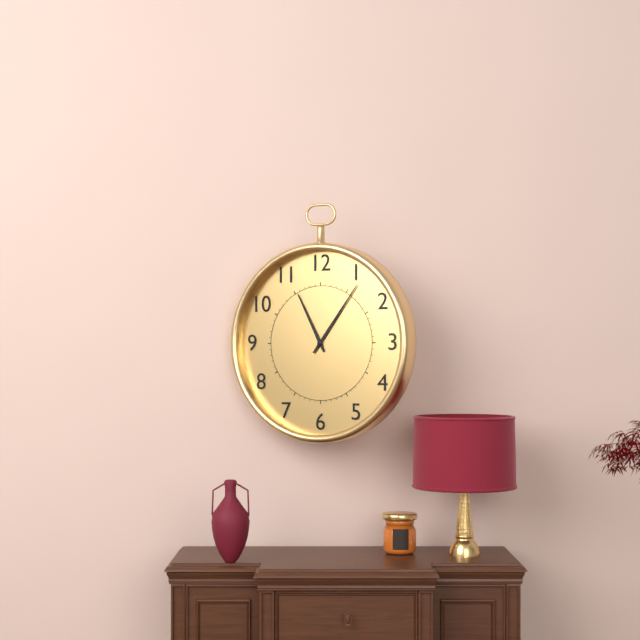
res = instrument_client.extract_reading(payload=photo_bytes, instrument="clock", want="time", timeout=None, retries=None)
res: 11:06
